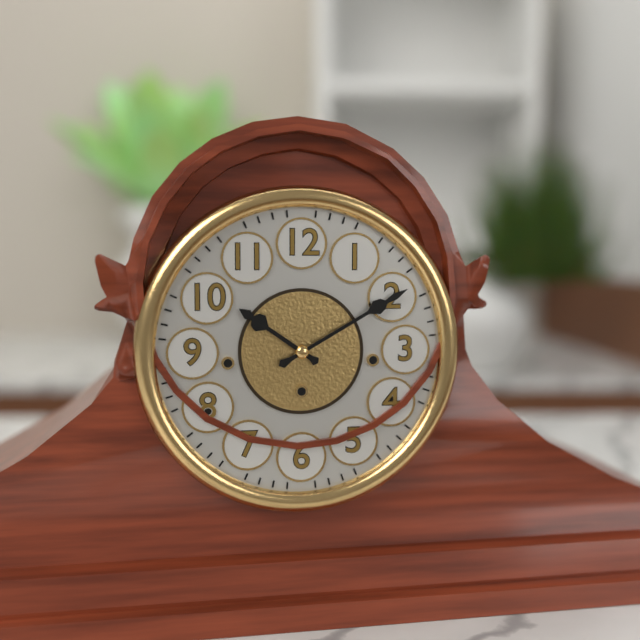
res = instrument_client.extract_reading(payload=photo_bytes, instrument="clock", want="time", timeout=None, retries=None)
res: 10:10
